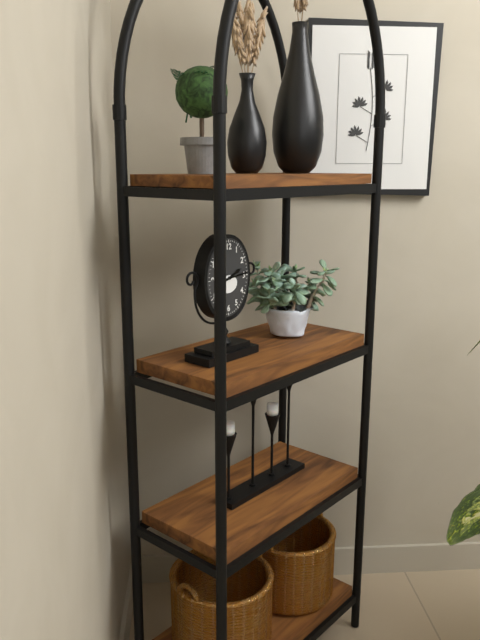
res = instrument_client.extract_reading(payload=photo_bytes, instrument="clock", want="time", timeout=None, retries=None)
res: 2:14
